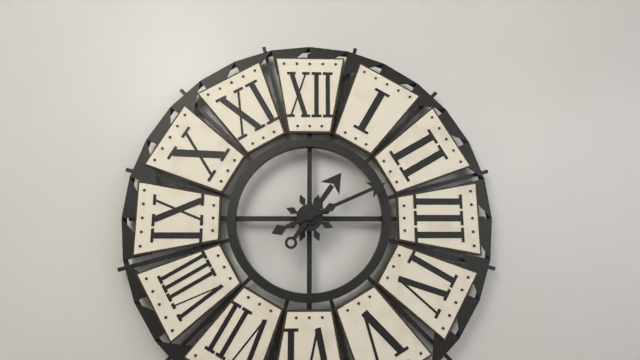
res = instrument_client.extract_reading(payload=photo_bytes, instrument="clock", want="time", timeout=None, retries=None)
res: 1:11
